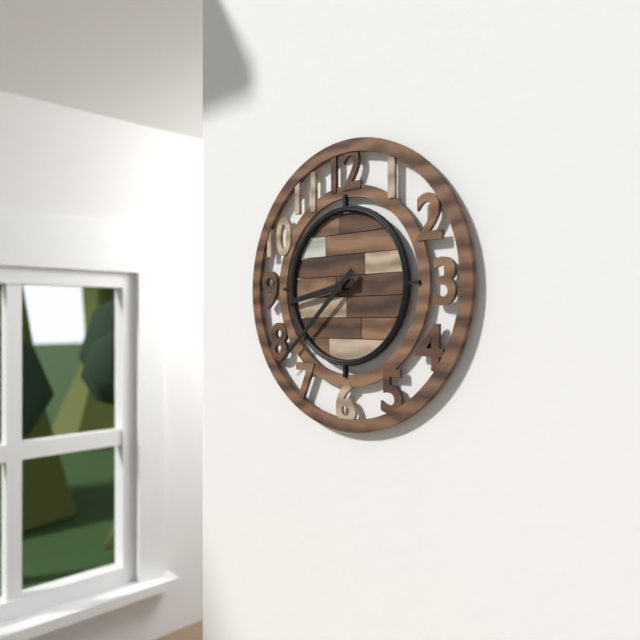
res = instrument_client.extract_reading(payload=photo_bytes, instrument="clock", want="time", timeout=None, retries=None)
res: 8:38
